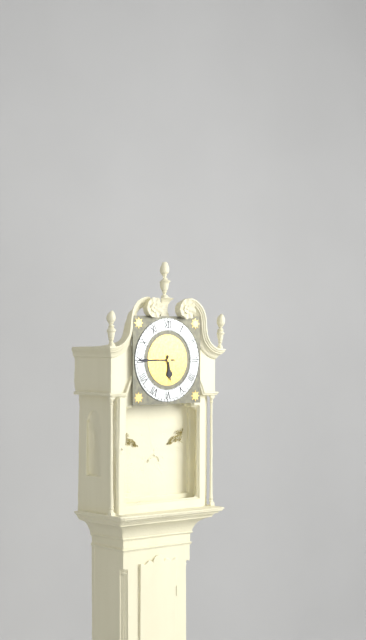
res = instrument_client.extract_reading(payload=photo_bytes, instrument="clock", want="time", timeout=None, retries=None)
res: 5:45
